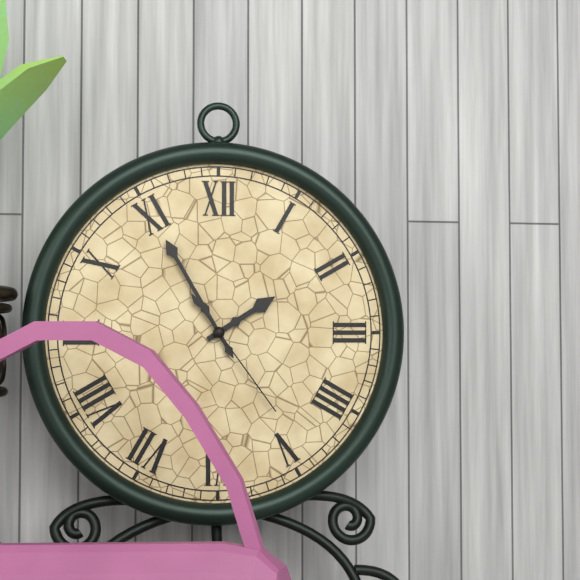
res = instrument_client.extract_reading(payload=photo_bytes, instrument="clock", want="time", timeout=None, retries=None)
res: 1:55:24
